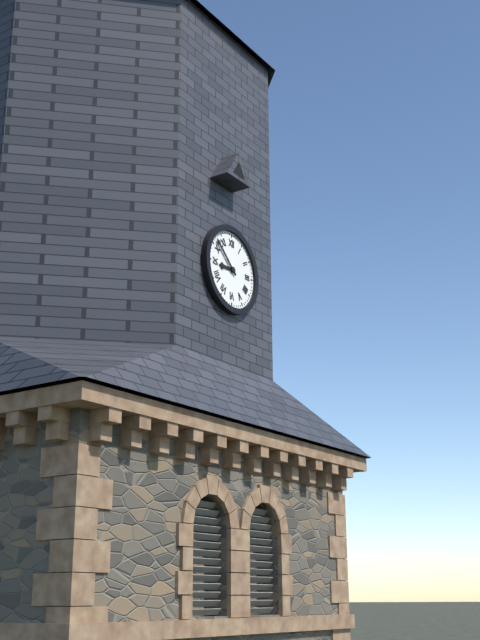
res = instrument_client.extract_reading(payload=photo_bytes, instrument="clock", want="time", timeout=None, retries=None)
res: 8:52
